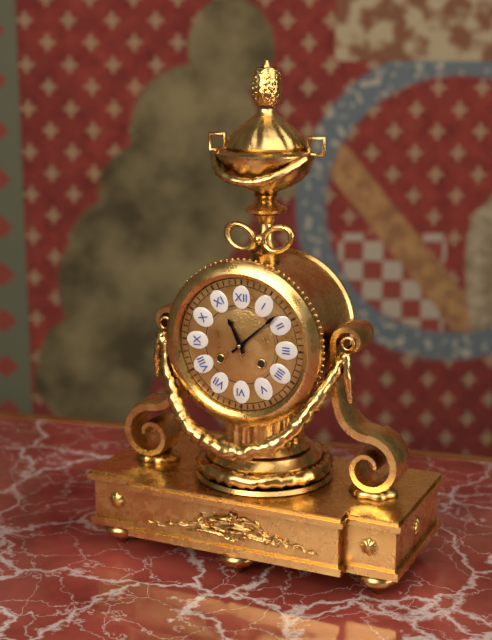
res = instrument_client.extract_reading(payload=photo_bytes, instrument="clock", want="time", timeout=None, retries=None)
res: 11:08
